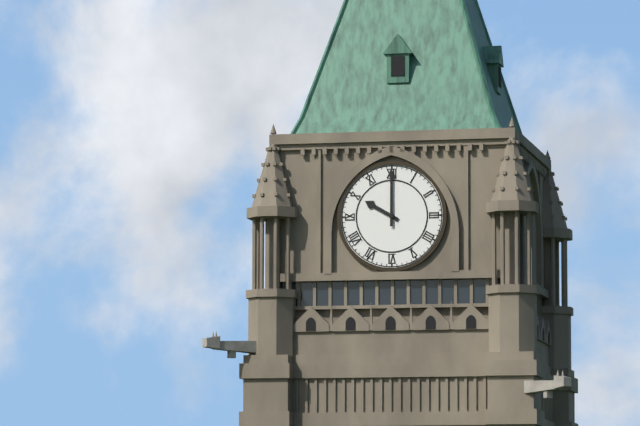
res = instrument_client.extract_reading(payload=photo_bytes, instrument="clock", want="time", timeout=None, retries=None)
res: 10:00
